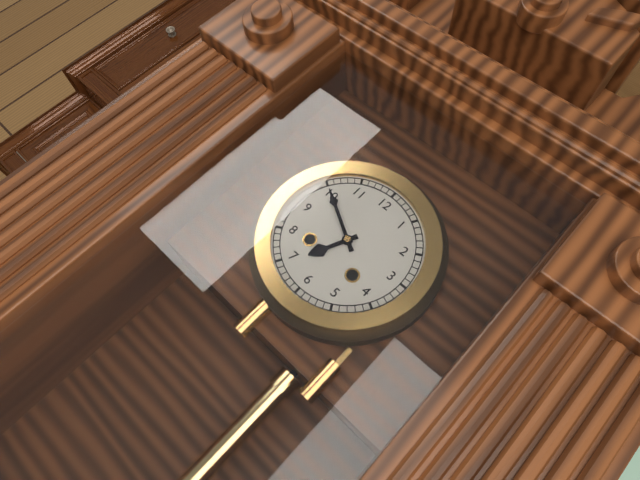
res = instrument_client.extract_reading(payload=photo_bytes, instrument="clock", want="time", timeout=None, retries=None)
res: 6:50
